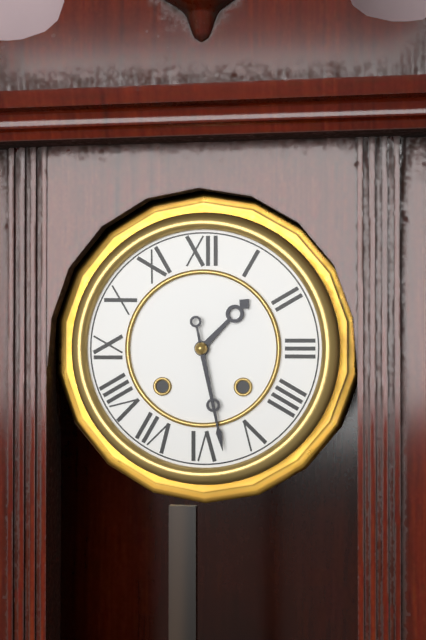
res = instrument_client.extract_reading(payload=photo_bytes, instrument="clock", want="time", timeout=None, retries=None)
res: 1:28
